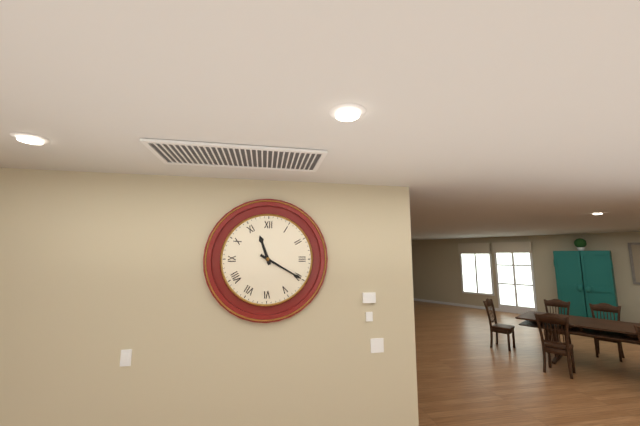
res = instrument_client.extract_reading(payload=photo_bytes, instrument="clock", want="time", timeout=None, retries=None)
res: 11:20
